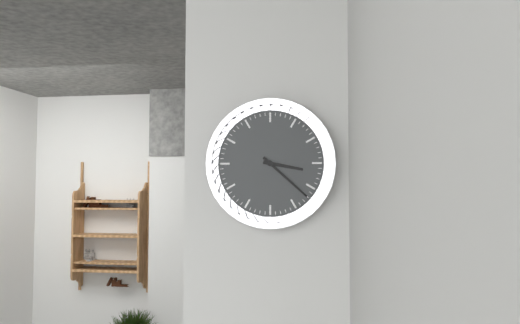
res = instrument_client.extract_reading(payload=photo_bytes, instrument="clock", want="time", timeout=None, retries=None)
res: 3:22
